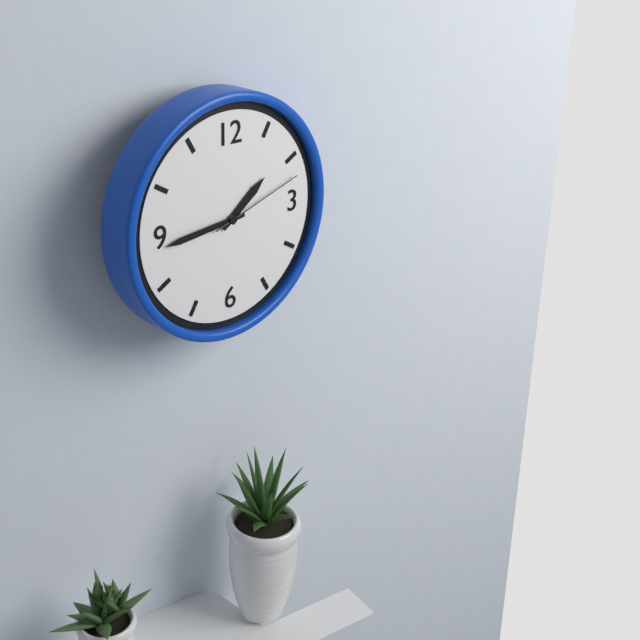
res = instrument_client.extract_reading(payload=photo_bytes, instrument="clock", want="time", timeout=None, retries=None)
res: 1:44:12
